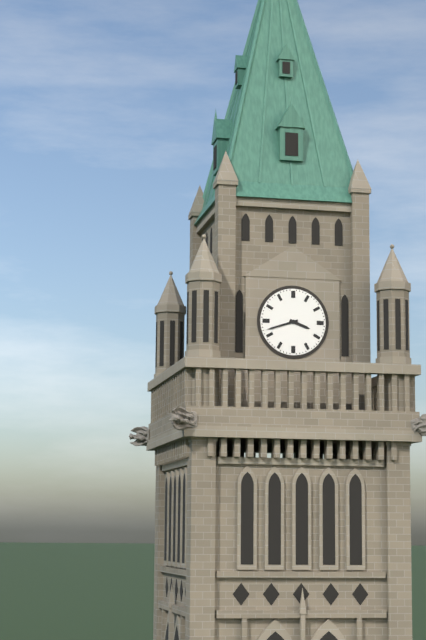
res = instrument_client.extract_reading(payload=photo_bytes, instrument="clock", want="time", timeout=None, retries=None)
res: 3:42
